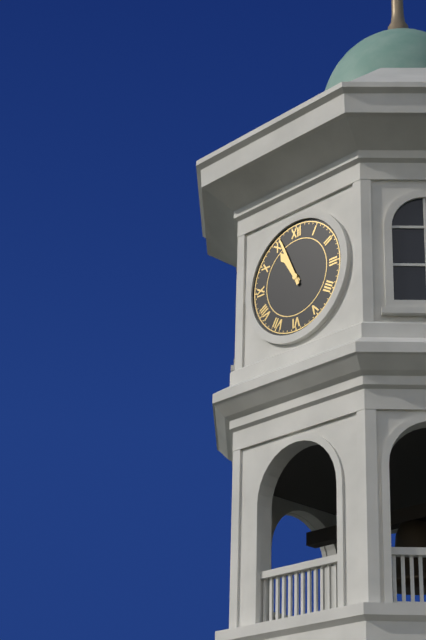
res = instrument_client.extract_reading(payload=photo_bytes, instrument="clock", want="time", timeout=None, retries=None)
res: 10:56
